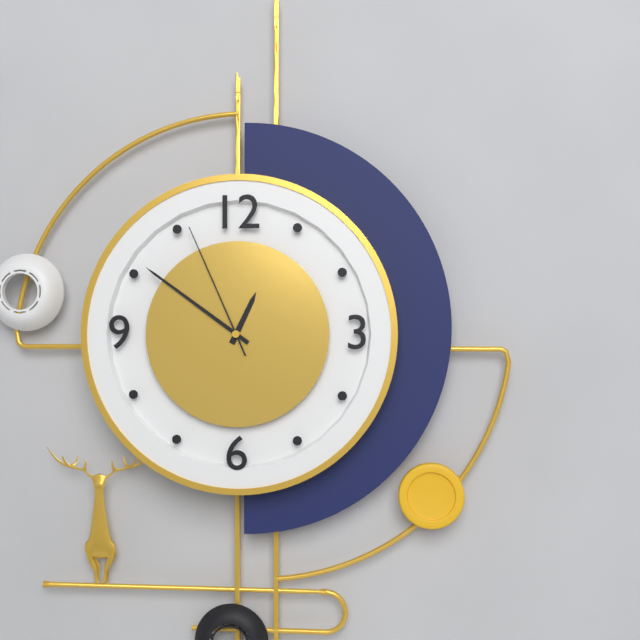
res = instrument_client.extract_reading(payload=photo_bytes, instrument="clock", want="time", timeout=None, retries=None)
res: 12:51:56
